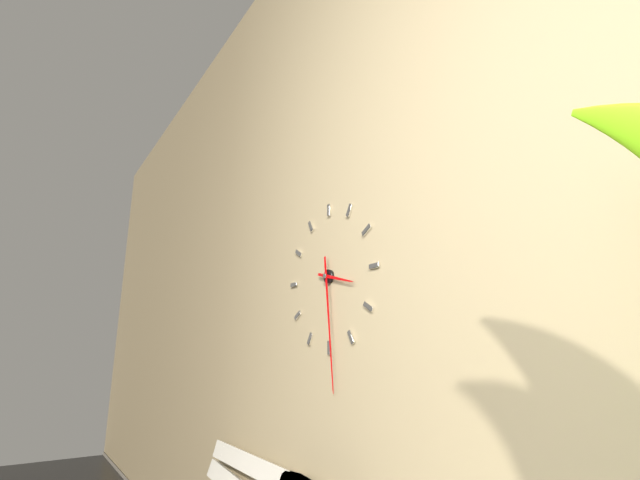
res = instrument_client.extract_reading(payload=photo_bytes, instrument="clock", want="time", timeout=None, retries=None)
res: 3:29
